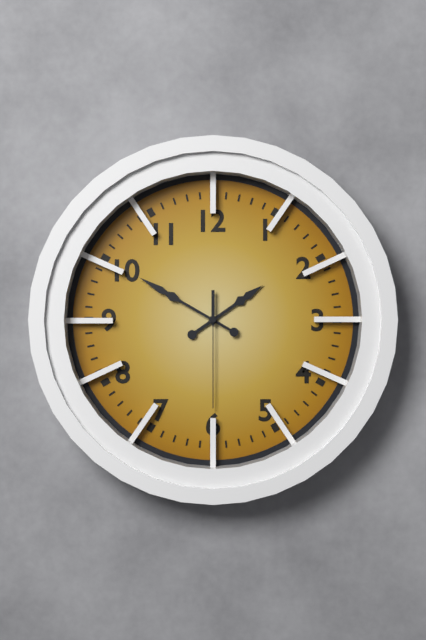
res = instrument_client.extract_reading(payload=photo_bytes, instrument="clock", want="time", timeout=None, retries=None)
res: 1:50:30
